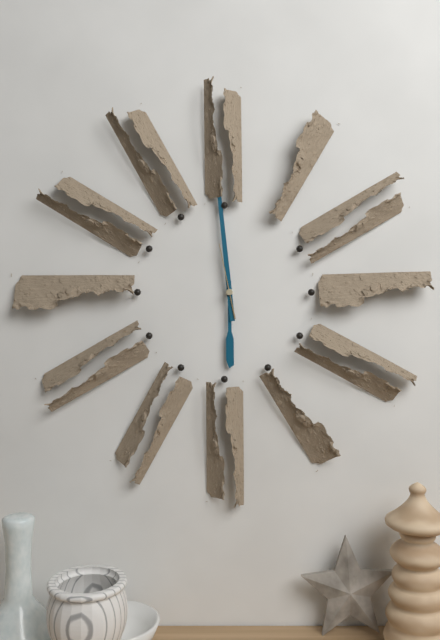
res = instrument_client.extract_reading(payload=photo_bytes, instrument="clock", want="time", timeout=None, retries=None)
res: 5:59:58
